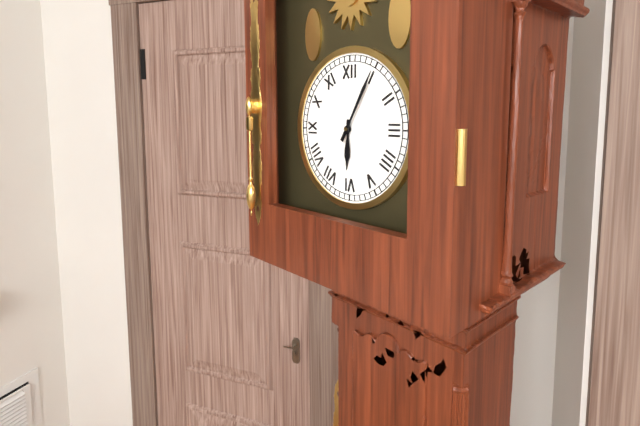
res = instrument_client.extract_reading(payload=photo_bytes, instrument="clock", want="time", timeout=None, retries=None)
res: 6:05
